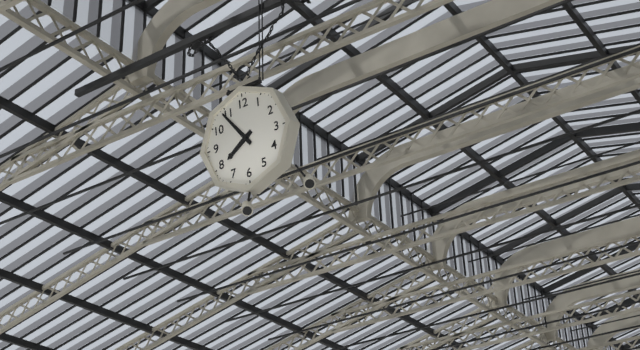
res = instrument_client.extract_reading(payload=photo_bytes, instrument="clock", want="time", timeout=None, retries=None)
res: 7:54
